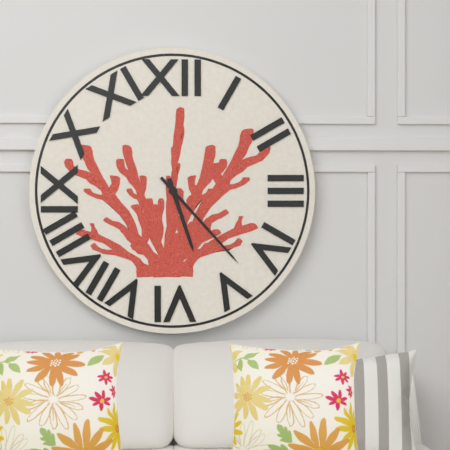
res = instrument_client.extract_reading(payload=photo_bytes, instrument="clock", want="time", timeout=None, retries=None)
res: 5:23
